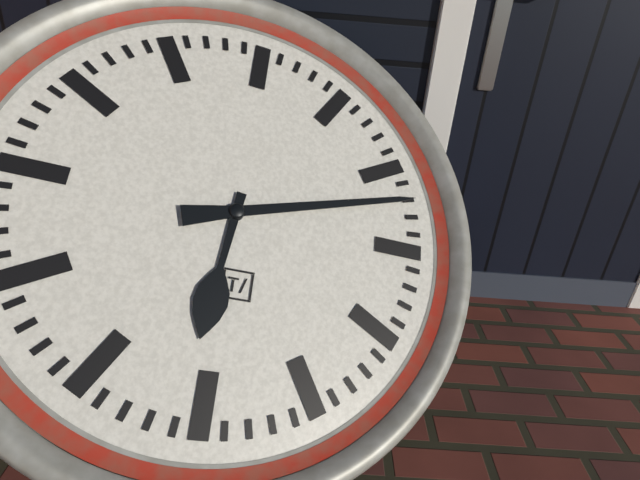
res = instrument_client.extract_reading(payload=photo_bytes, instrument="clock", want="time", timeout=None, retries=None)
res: 6:12
